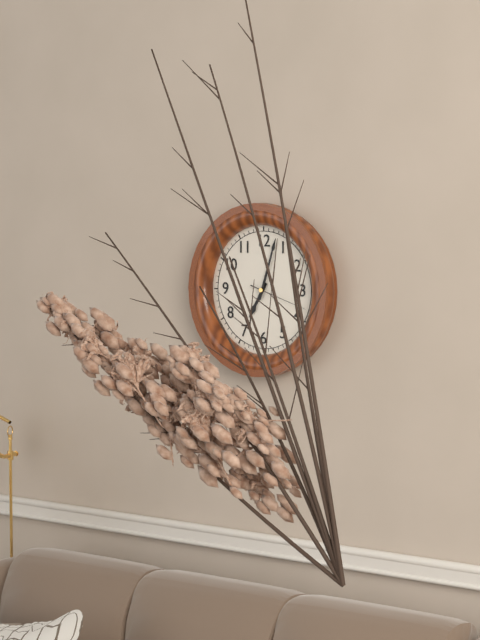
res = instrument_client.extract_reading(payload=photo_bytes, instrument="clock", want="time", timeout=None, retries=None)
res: 7:03:18
